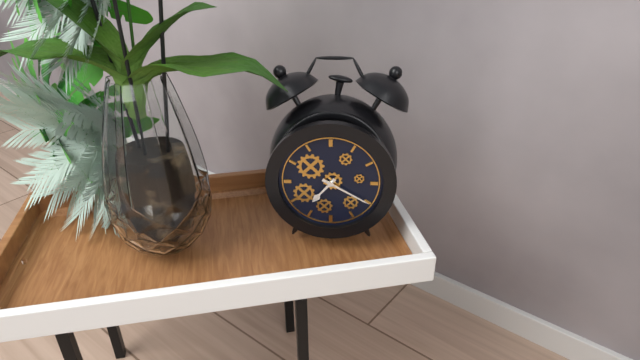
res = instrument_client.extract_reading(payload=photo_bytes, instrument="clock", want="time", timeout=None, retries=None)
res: 7:20
